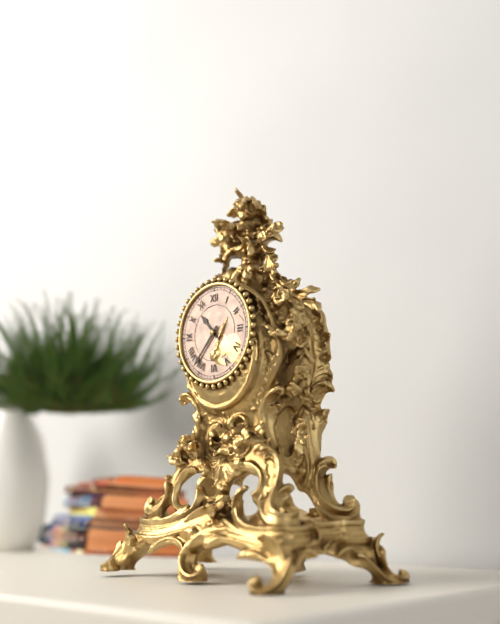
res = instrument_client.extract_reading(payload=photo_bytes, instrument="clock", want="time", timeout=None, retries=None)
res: 10:37
